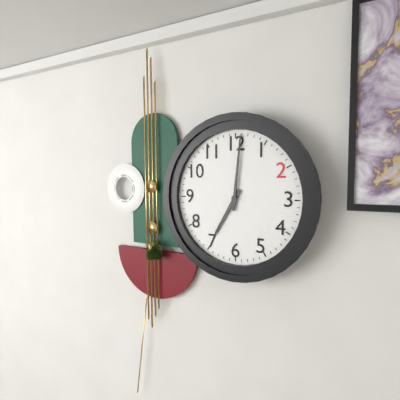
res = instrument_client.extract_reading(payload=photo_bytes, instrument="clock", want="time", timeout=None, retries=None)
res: 7:01
